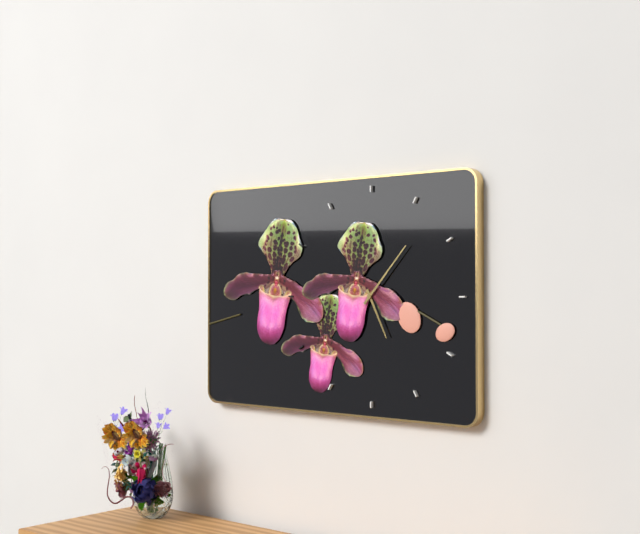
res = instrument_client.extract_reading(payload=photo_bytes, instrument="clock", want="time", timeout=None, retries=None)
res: 5:07
